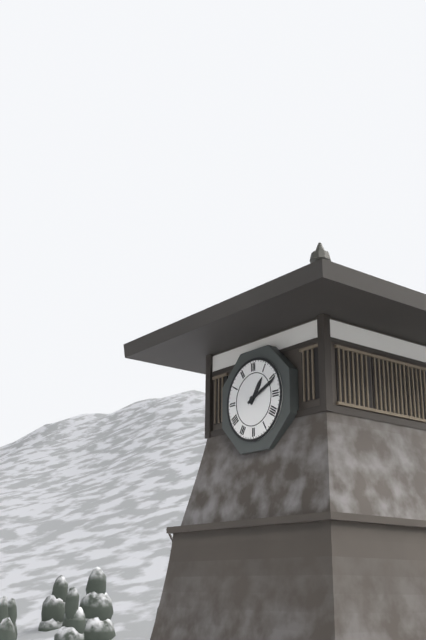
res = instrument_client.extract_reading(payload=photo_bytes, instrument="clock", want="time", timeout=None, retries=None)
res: 1:11
